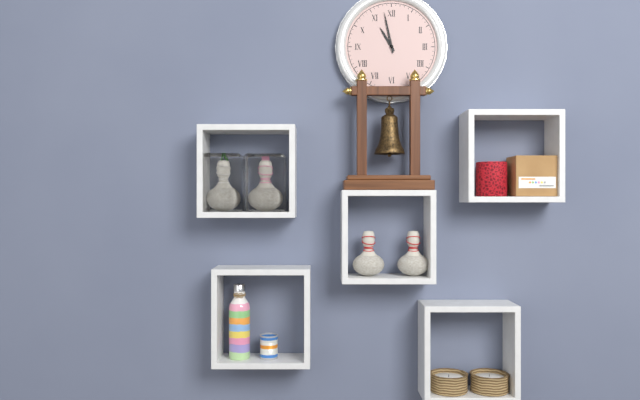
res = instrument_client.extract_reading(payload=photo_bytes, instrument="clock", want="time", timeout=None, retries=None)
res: 10:58
